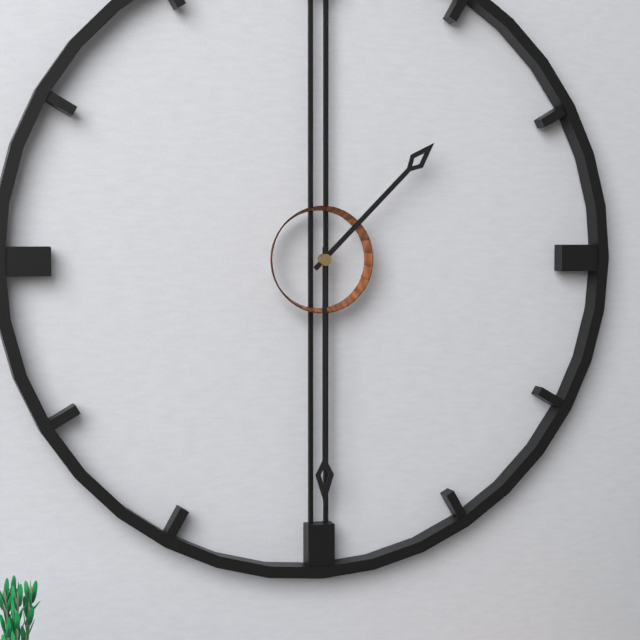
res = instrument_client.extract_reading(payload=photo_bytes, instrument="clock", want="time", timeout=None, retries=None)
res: 1:30
